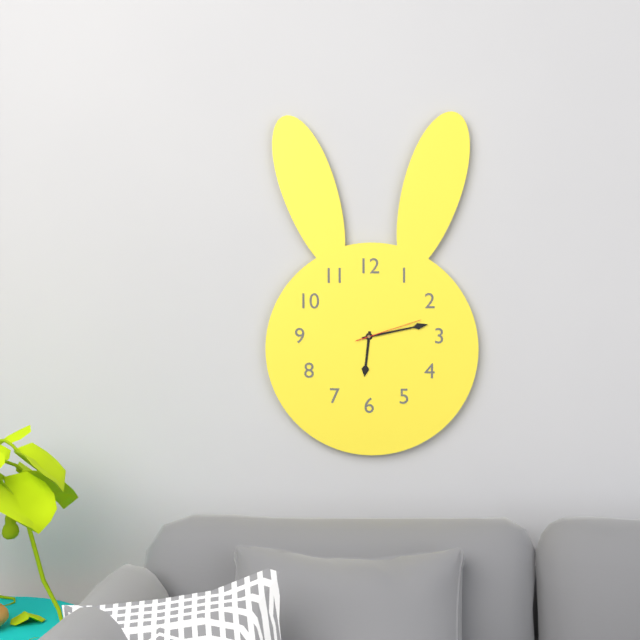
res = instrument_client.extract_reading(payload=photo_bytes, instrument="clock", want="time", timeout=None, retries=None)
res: 6:13:12
